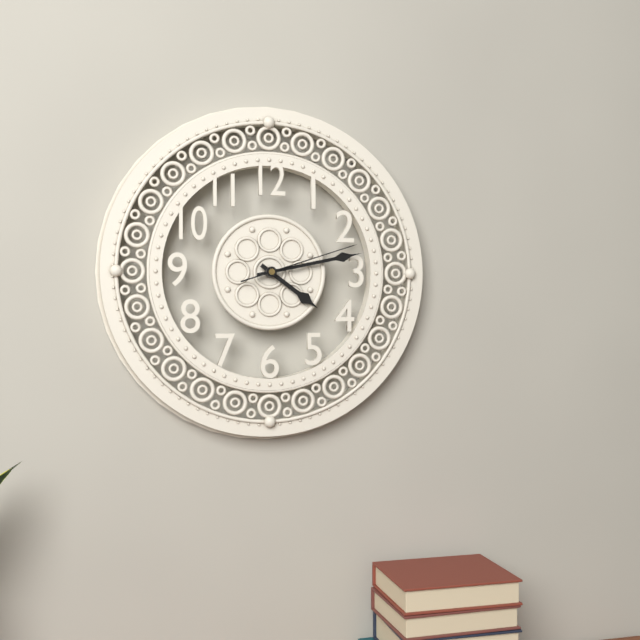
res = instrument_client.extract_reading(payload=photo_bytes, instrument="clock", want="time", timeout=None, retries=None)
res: 4:13:12
